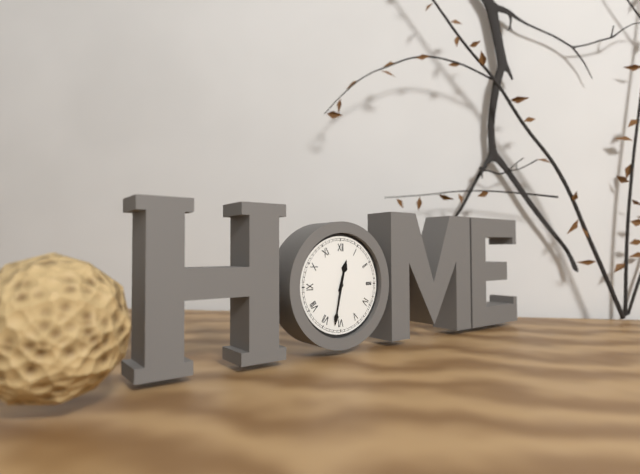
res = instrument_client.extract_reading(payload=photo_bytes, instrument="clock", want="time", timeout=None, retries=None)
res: 12:32
